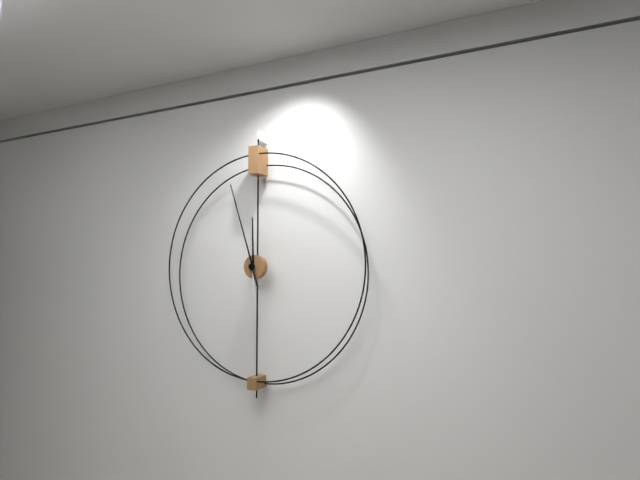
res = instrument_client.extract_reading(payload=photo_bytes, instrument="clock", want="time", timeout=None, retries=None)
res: 11:57
